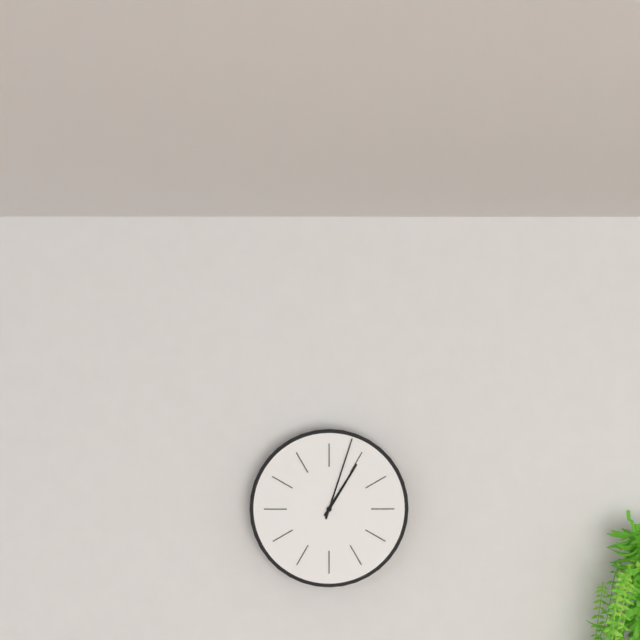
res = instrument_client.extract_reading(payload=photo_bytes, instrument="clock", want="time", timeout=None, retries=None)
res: 1:03
